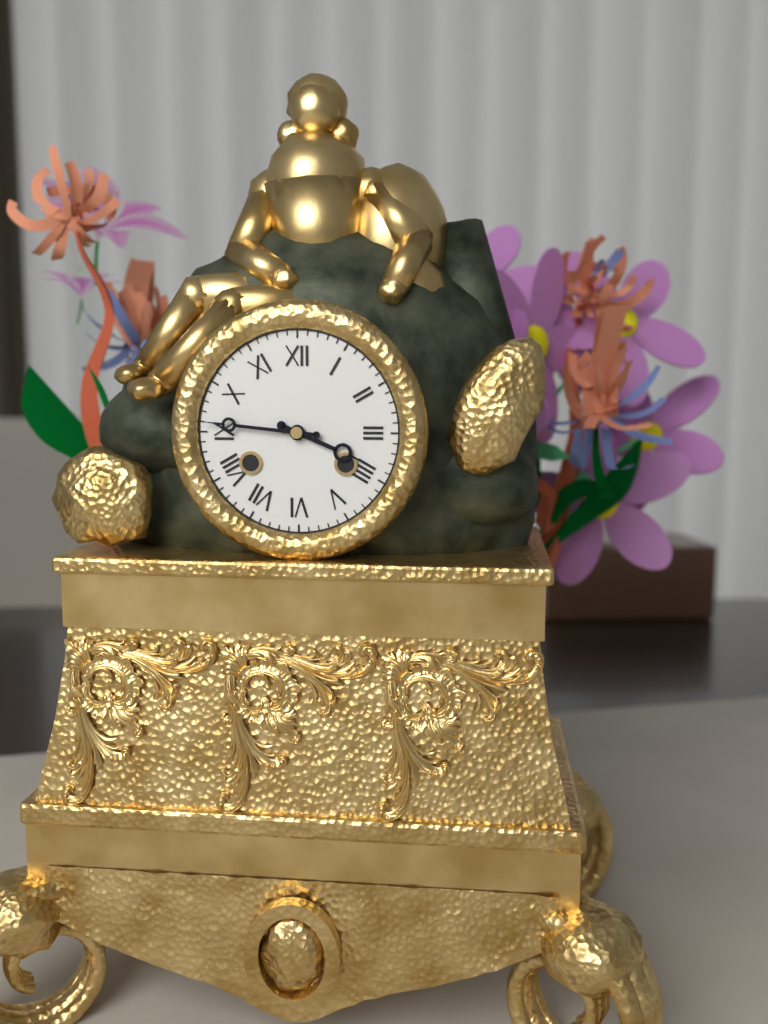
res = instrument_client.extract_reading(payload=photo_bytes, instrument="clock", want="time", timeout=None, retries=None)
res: 3:46
